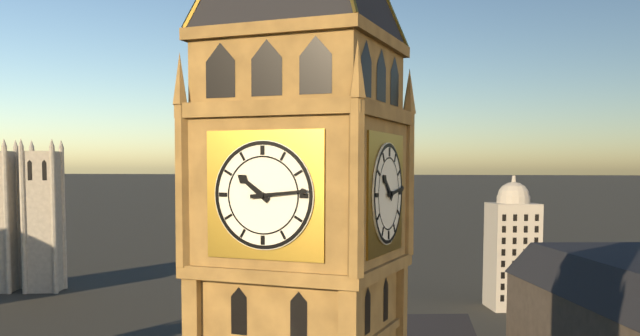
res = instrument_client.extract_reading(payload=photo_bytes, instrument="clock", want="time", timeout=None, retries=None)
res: 10:14
